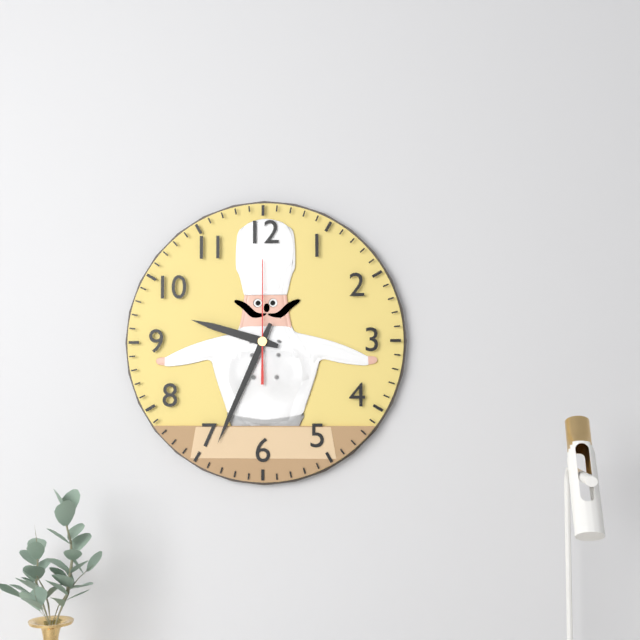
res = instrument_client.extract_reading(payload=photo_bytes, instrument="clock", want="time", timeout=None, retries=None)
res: 9:34:00
